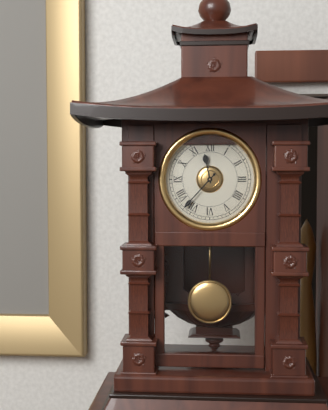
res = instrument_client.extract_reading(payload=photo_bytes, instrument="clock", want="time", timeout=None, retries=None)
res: 11:37
